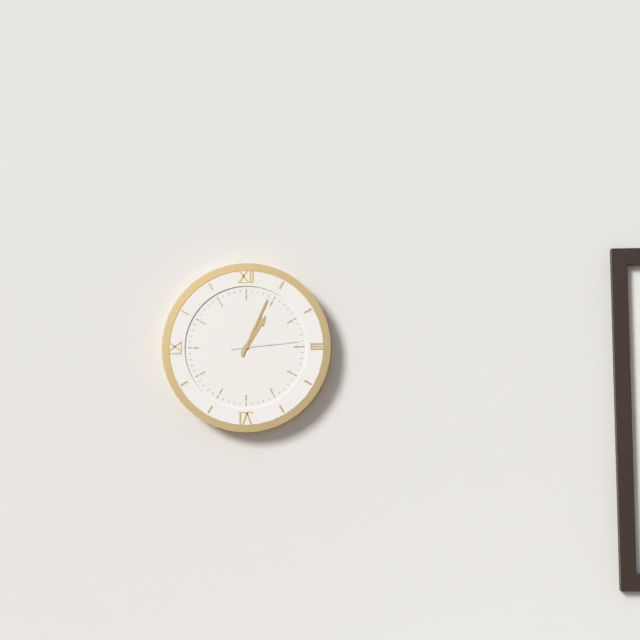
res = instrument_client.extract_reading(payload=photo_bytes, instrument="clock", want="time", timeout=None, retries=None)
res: 1:04:14
